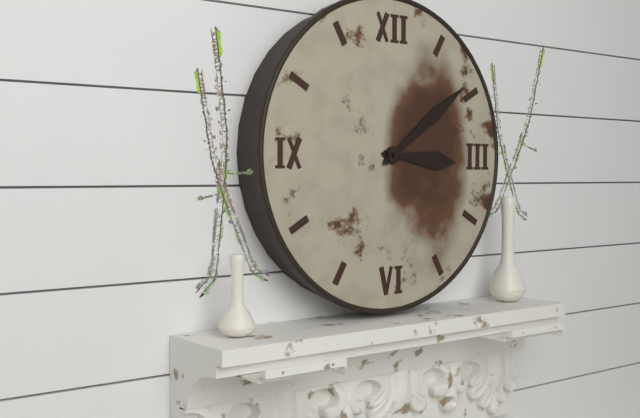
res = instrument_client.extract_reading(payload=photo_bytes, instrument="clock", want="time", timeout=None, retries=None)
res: 3:09
